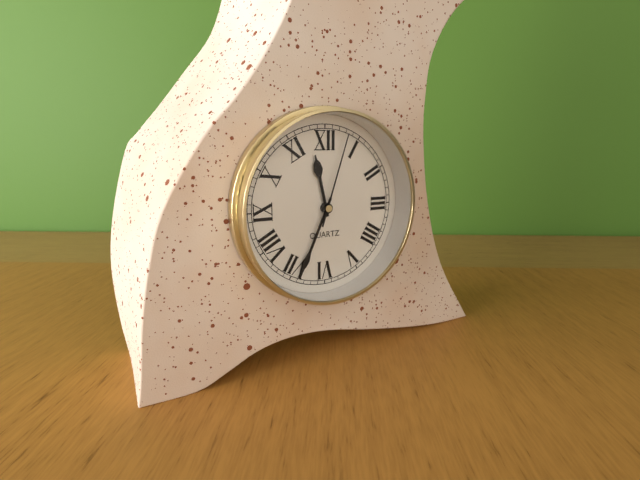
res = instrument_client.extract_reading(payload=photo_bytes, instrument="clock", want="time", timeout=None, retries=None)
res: 11:34:03
